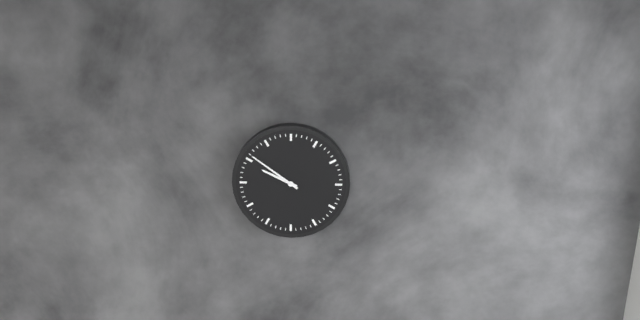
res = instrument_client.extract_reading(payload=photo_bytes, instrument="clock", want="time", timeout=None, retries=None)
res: 9:51
